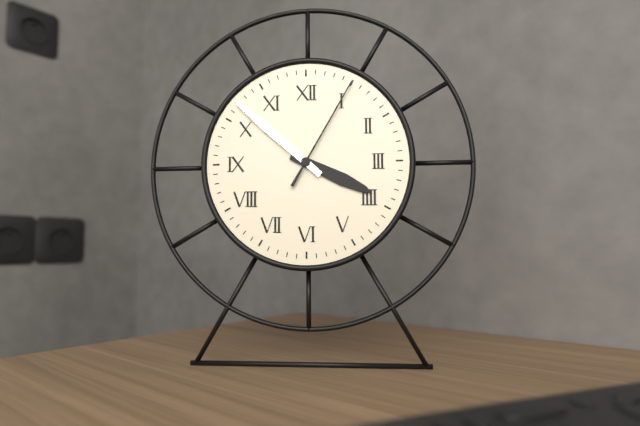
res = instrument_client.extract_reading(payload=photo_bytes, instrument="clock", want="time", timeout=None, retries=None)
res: 3:52:05
